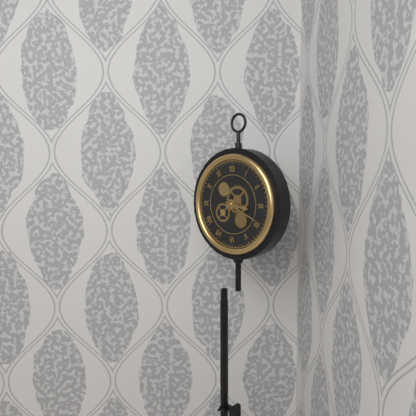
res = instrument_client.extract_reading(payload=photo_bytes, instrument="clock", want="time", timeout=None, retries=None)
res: 3:19
